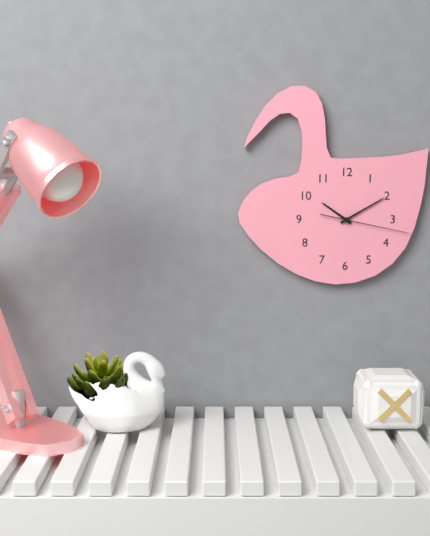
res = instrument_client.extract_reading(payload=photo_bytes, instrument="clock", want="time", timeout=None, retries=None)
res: 10:10:17
